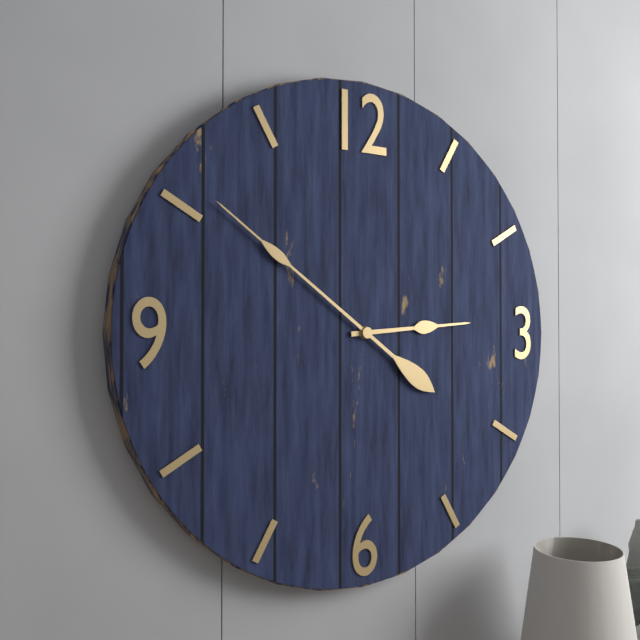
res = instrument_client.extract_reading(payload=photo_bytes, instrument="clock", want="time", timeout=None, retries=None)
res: 2:51
